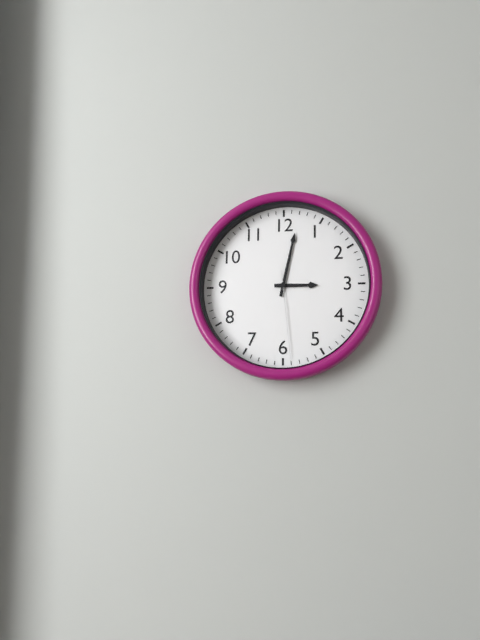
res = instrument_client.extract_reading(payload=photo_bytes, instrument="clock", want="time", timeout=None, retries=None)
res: 3:02:29
